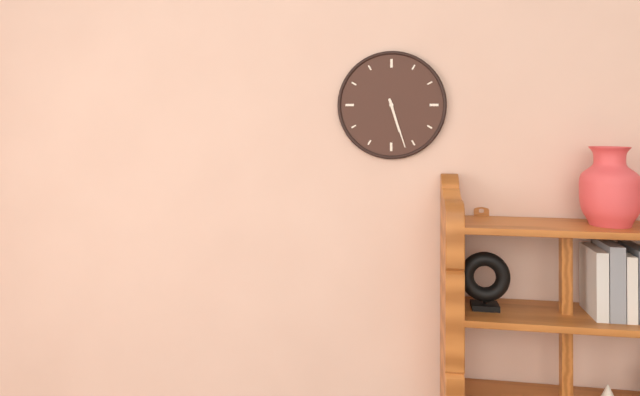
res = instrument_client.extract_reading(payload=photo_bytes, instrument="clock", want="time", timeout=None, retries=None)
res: 5:27
